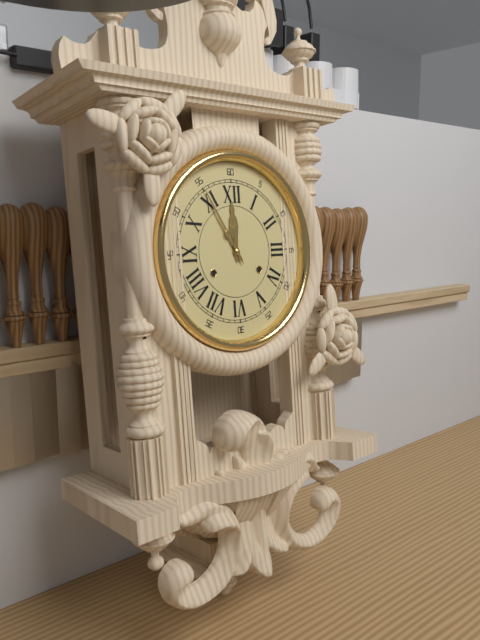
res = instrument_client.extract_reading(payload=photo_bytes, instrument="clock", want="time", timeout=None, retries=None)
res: 11:55
